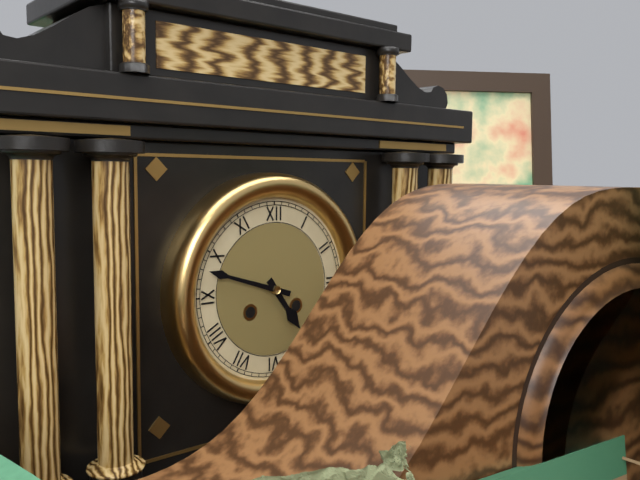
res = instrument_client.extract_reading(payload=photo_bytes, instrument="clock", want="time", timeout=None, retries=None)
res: 4:48
